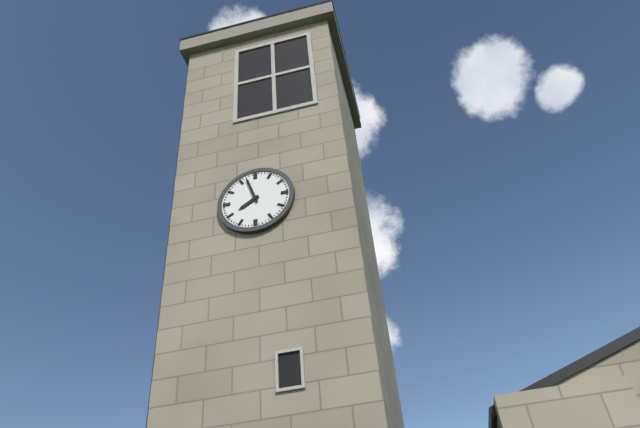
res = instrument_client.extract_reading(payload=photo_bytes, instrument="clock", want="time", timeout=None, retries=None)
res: 7:57
